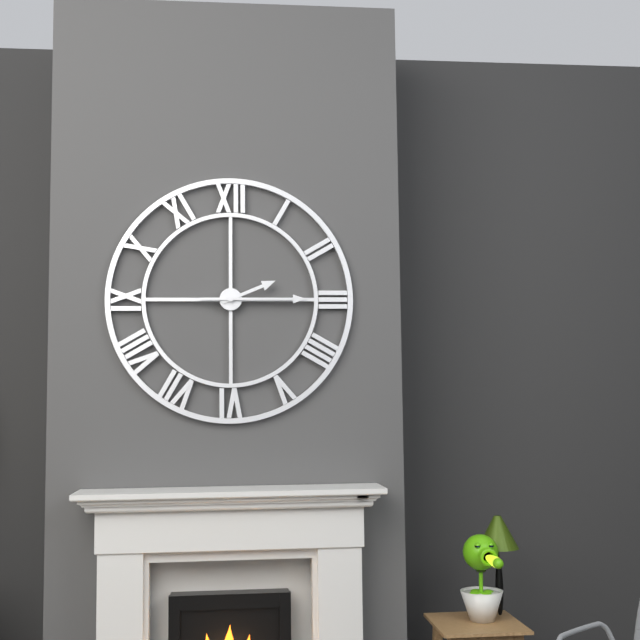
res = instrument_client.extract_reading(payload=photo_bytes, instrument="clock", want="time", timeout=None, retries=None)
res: 2:15
